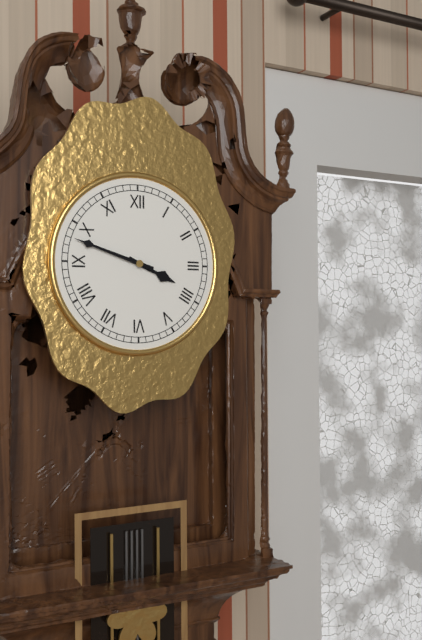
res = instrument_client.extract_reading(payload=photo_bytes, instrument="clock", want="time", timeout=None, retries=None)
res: 3:48
